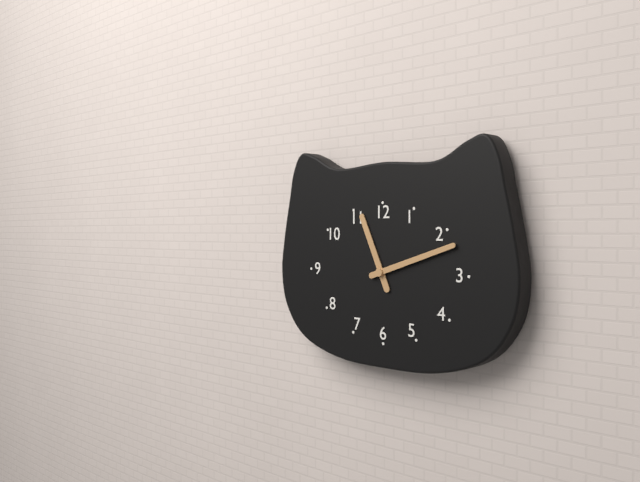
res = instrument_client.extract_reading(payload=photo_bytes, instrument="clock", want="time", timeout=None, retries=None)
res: 11:12
